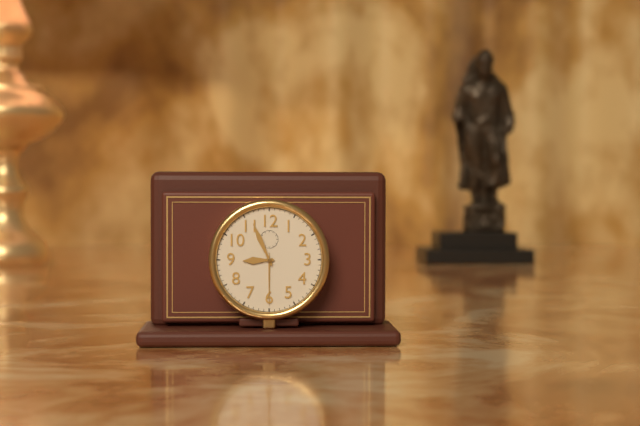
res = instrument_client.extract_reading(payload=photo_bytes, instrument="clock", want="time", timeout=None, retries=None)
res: 8:56
